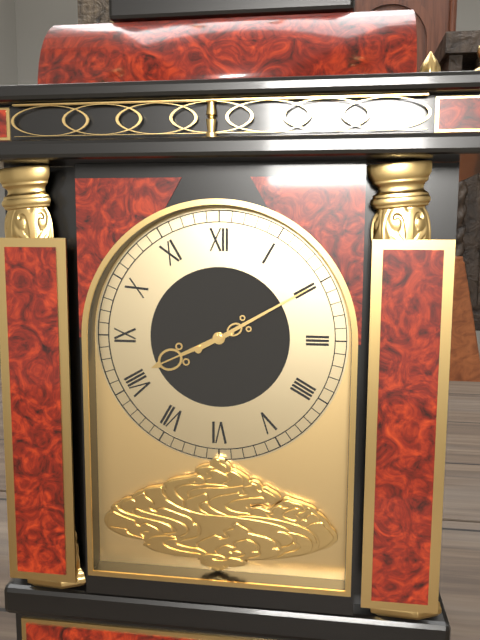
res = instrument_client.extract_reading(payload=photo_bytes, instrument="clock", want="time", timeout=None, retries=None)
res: 8:10
